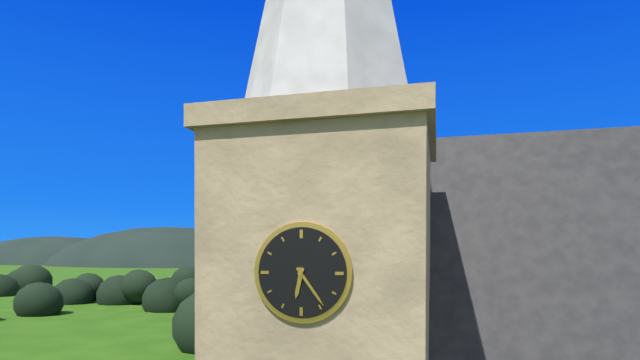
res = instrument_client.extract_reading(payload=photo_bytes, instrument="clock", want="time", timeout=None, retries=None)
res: 6:24
